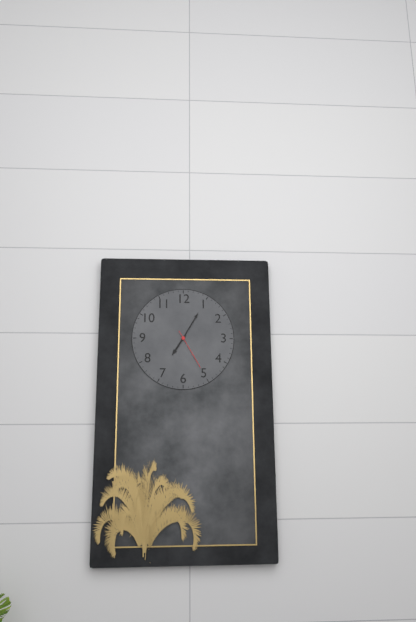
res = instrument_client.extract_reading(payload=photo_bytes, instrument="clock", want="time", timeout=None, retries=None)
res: 7:05
